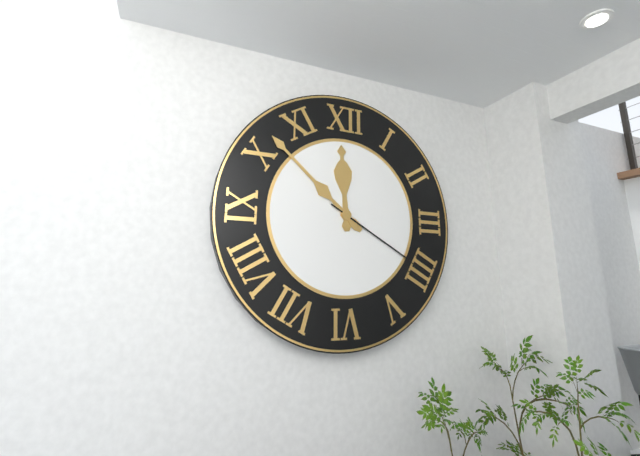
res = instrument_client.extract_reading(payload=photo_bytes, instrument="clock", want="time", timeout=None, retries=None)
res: 11:52:20
